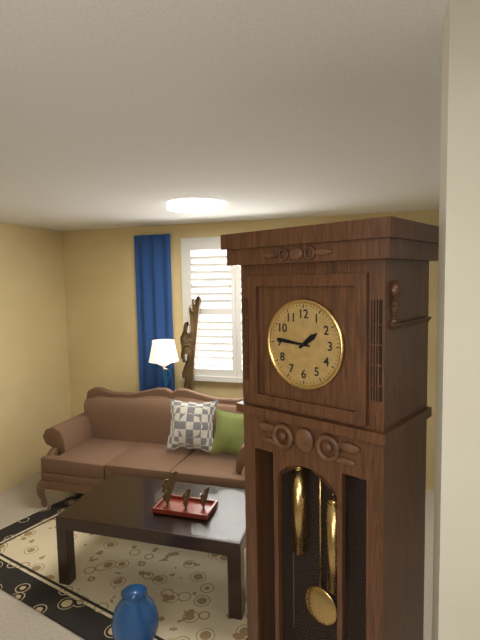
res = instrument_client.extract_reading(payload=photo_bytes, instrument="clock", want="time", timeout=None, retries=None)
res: 1:46
